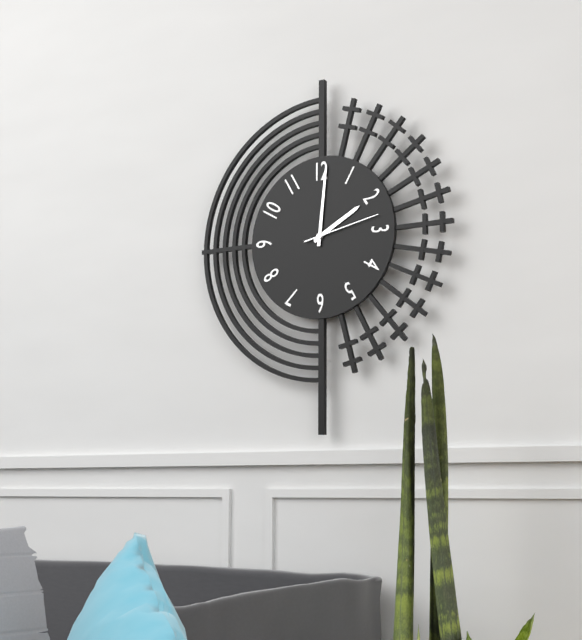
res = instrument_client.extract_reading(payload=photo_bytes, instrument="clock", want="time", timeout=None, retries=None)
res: 2:01:13
